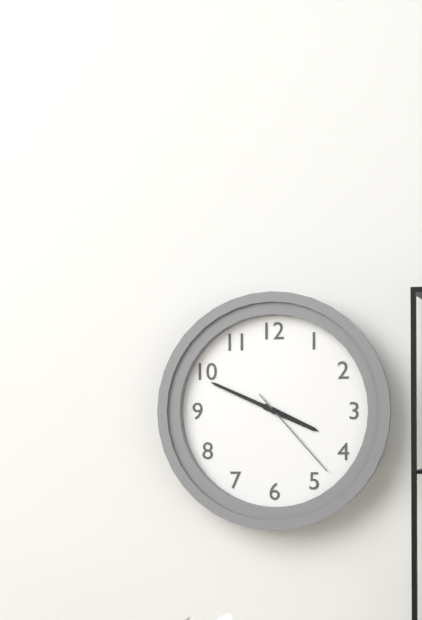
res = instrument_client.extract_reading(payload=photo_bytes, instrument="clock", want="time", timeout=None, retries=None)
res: 3:49:23
